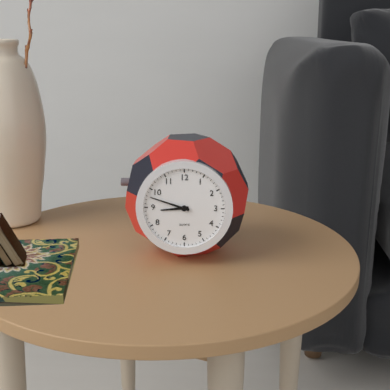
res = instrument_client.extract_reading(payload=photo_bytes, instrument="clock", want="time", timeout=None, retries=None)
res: 8:48
